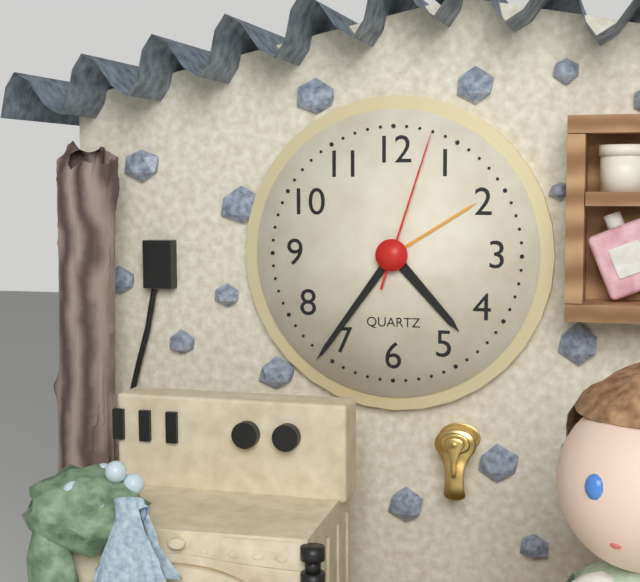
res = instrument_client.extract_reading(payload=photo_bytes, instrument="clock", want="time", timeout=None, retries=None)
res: 4:36:03
